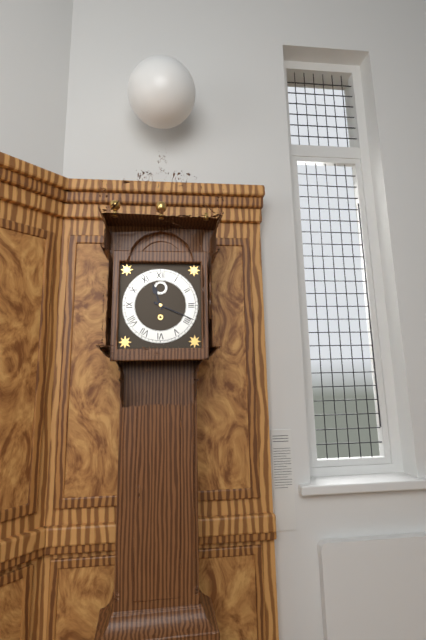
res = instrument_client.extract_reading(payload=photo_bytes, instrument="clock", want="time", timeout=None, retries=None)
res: 11:19
